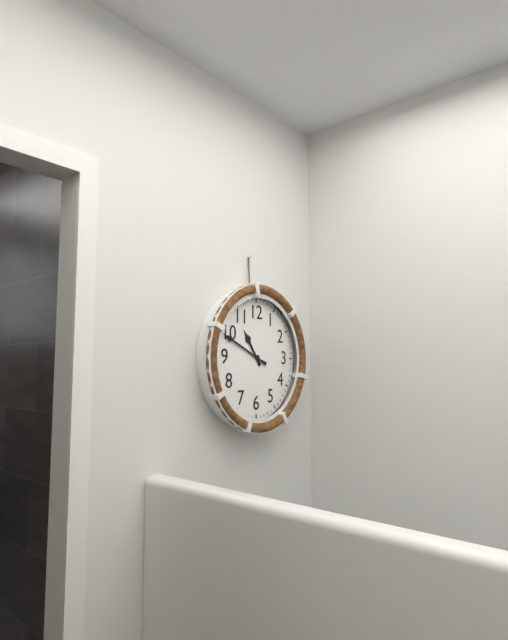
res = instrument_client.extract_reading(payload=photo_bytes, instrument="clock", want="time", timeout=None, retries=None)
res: 10:49
